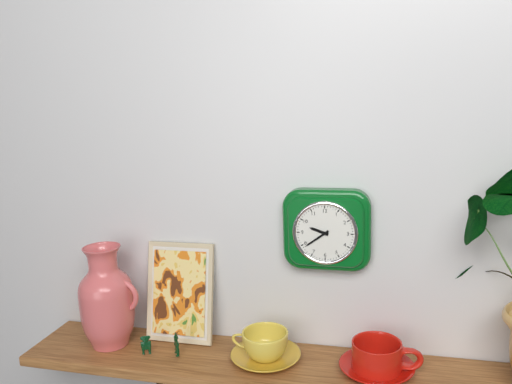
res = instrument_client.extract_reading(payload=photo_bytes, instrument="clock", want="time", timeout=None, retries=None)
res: 9:39
